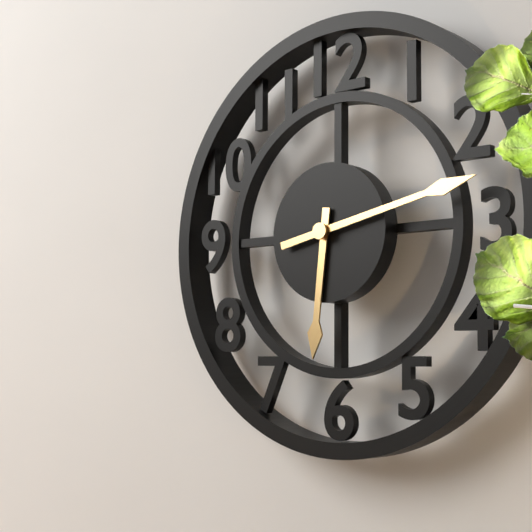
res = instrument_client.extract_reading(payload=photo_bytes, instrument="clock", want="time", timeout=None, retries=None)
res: 6:13
